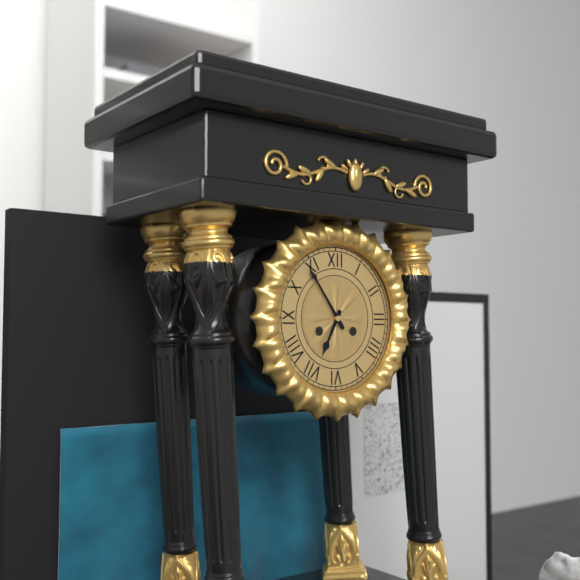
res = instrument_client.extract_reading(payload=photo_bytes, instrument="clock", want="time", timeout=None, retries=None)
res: 6:54
